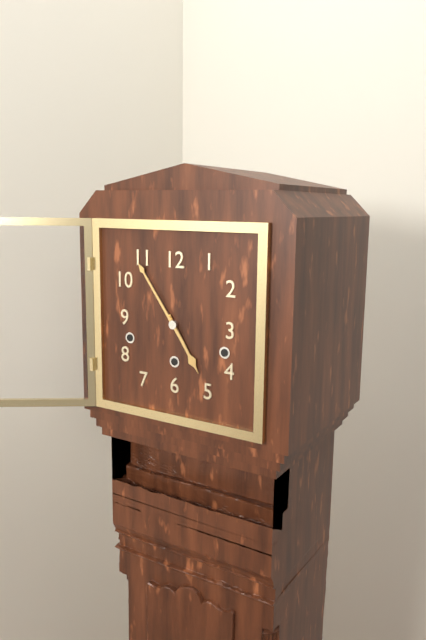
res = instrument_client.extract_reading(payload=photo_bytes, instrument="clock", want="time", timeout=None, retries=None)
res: 4:54
